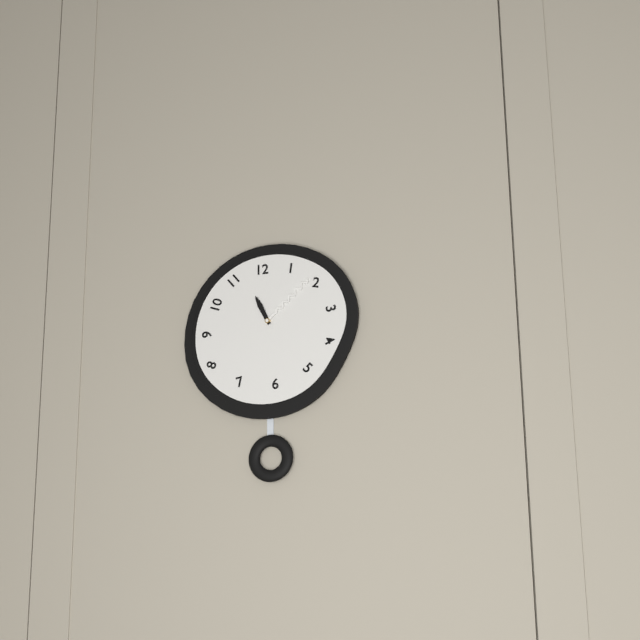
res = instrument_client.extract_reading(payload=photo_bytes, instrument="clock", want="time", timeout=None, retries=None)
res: 11:08
